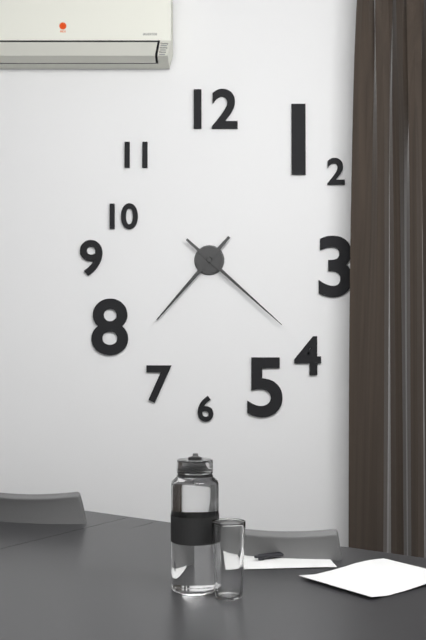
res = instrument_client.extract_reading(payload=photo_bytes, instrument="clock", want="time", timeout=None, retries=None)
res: 7:22
